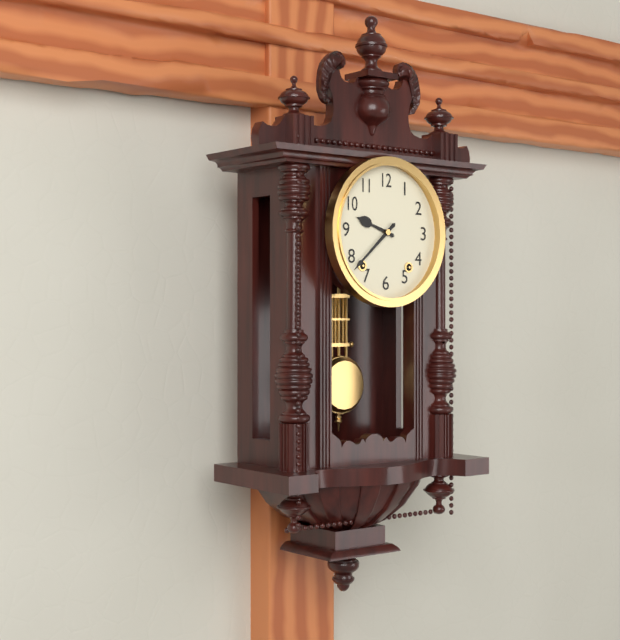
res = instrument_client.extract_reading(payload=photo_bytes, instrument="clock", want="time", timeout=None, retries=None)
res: 9:38
